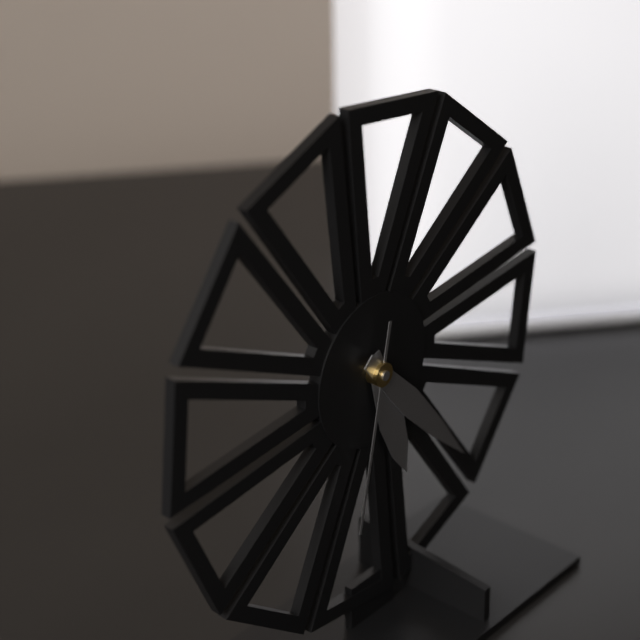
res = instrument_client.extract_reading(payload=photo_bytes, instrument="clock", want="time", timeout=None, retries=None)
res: 5:23:32
